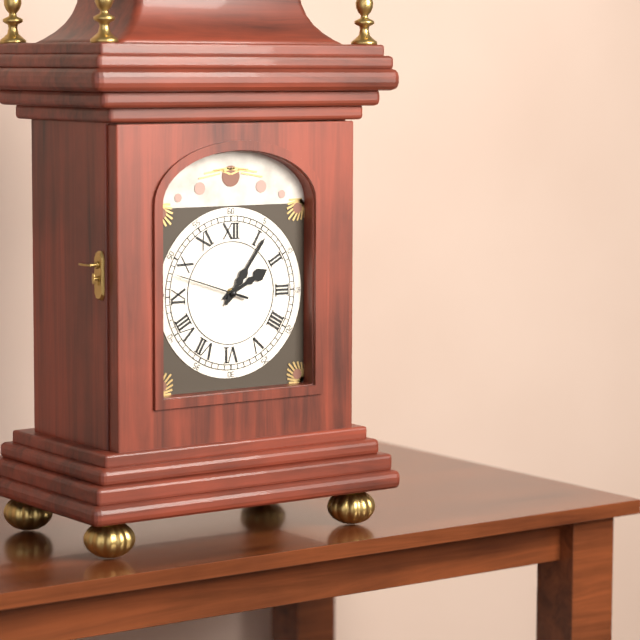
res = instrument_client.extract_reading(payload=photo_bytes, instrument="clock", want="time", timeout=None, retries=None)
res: 2:06:48
